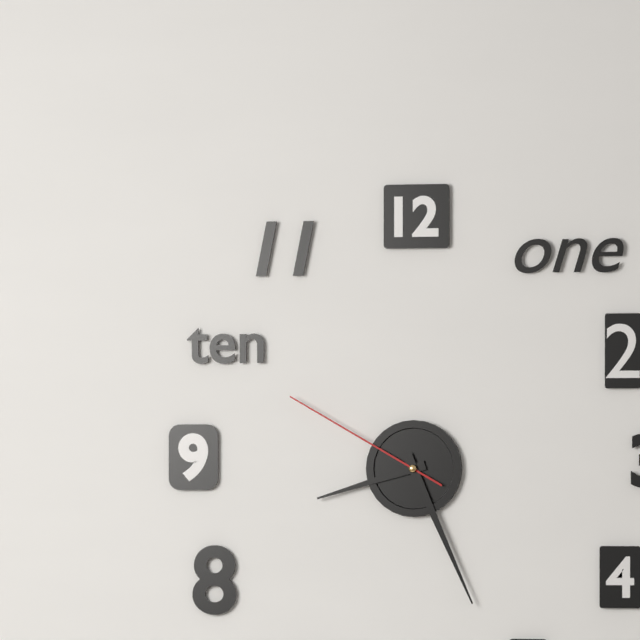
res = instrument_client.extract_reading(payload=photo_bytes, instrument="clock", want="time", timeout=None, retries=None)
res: 8:26:50
